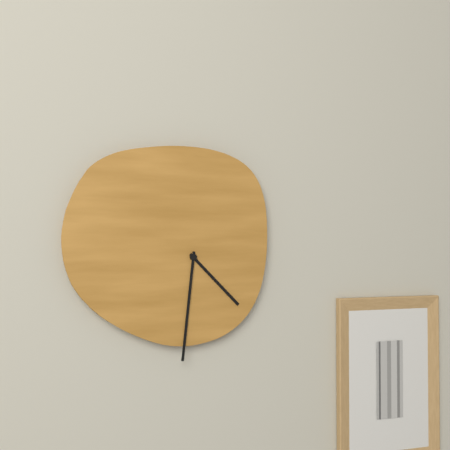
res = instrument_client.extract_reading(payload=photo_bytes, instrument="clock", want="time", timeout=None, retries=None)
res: 4:31
